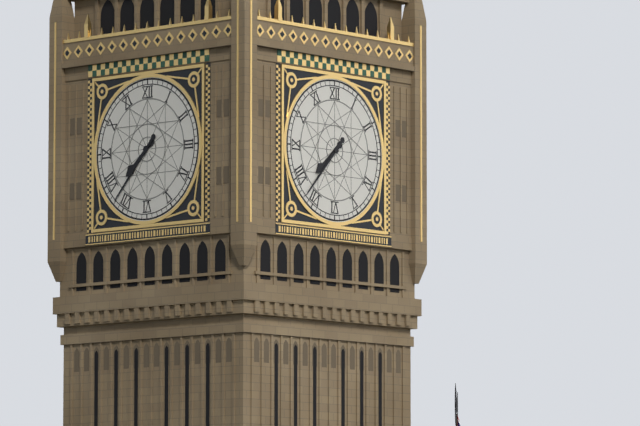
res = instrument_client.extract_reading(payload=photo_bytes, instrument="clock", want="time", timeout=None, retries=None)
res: 7:37
